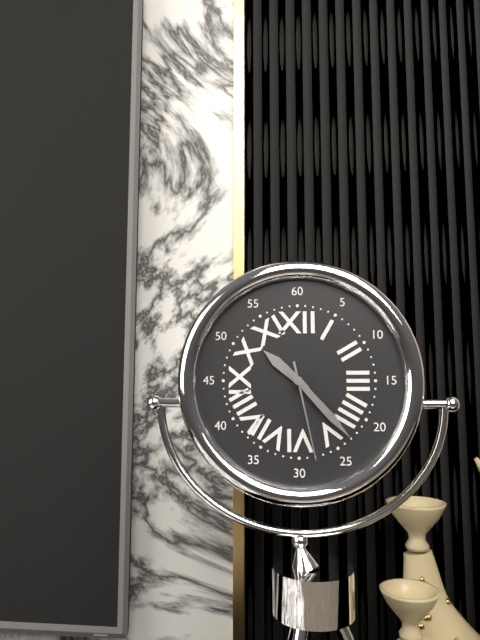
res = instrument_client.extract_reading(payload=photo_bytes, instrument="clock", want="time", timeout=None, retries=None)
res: 10:23:28
